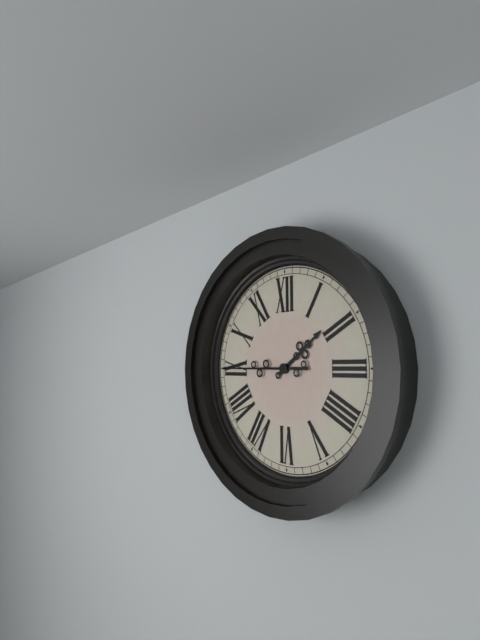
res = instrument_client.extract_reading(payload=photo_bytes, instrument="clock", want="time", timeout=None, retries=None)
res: 1:45
